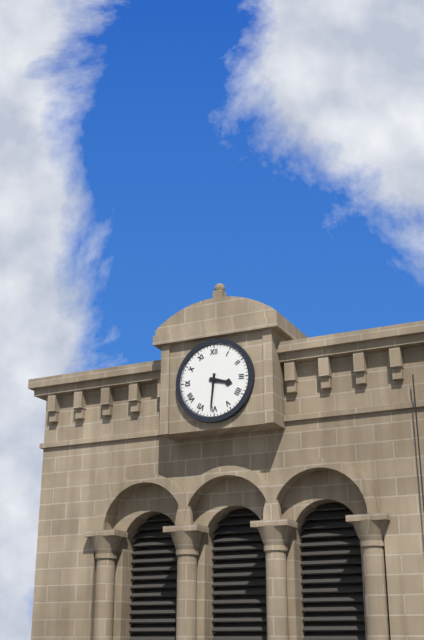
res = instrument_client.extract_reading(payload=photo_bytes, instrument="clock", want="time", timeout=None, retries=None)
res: 3:31
